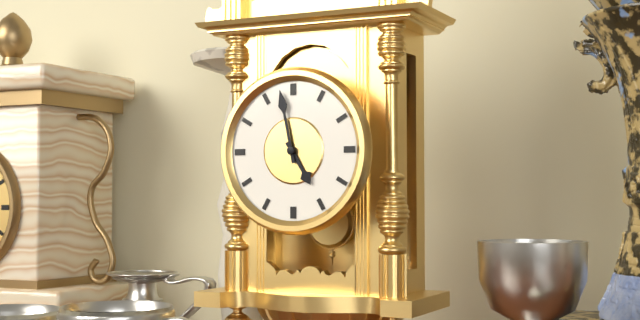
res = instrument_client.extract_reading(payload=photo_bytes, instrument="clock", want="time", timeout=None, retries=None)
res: 4:58
